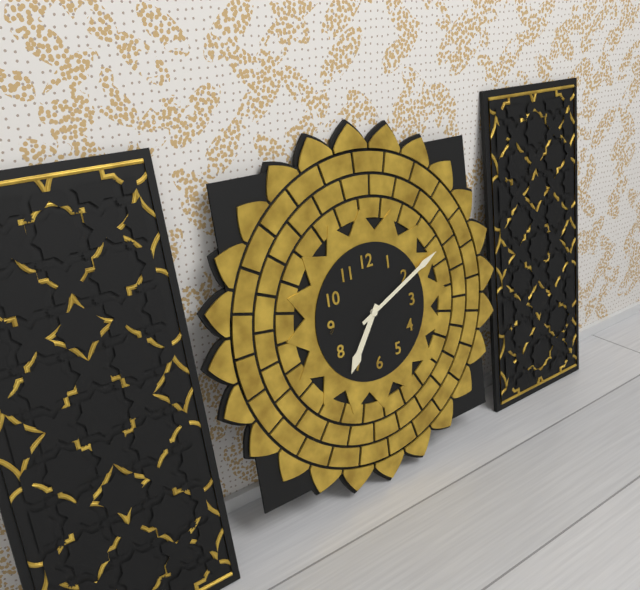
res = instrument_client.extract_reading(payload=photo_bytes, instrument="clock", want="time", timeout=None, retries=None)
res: 7:11
